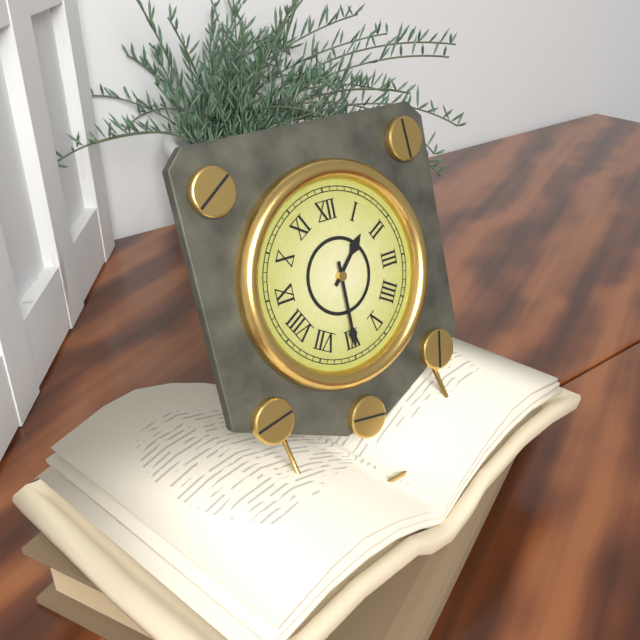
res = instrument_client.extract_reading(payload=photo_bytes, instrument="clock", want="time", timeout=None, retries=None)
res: 1:30
